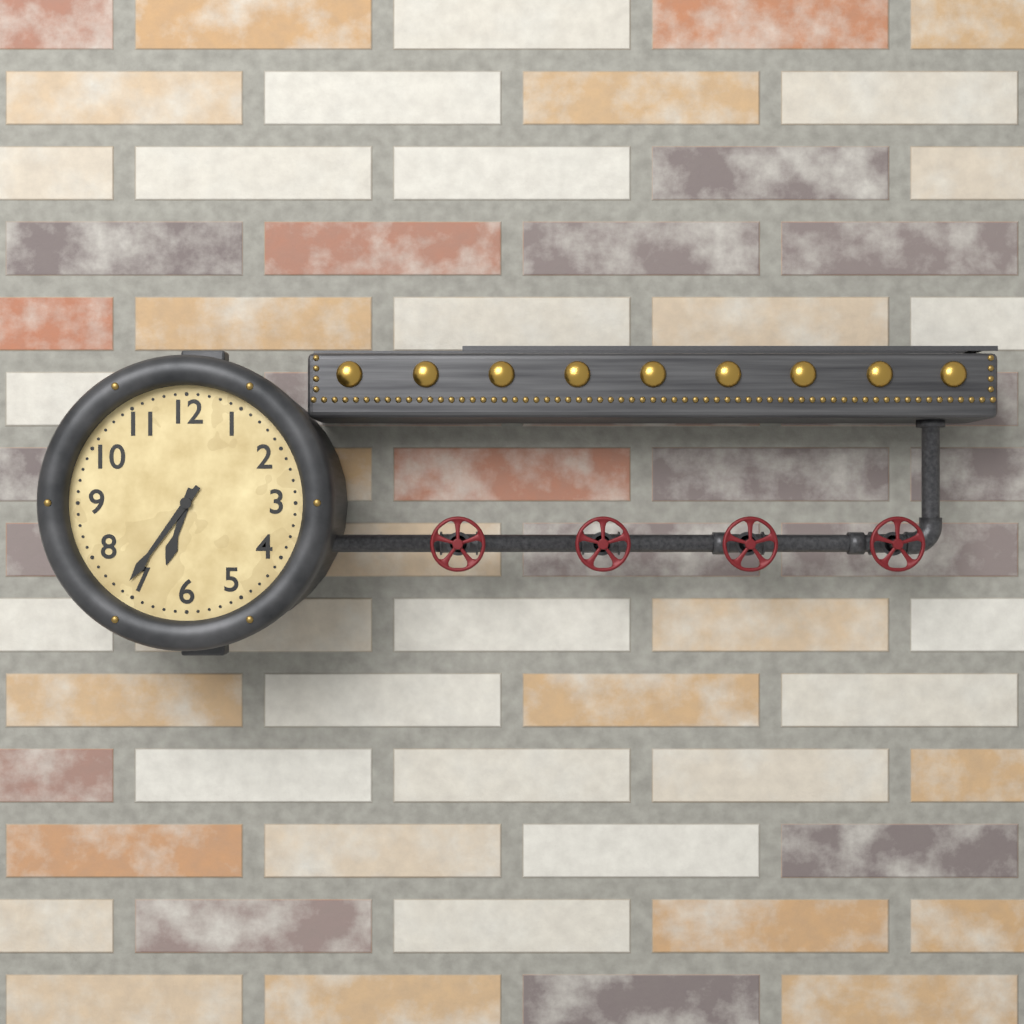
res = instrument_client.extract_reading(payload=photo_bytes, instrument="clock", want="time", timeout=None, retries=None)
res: 6:36
